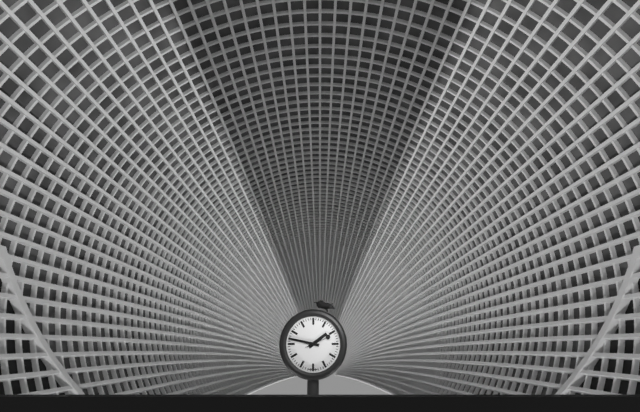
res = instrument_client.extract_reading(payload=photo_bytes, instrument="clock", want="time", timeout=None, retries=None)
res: 1:47
